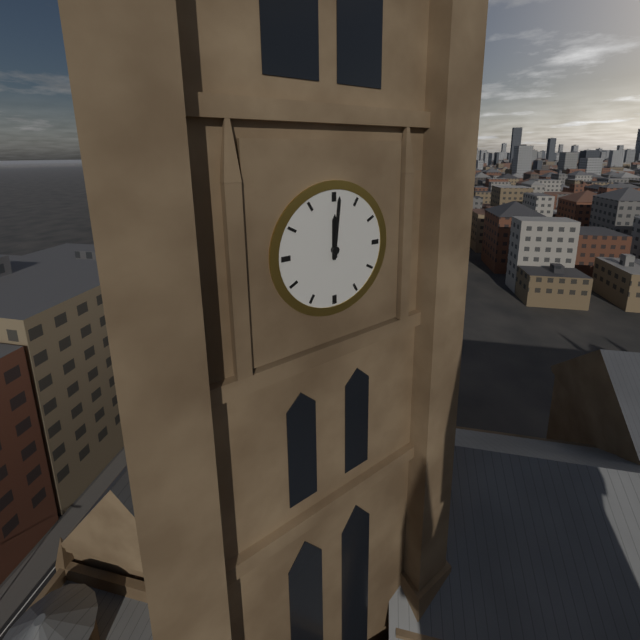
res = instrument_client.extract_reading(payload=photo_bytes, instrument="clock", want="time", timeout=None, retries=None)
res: 12:01
